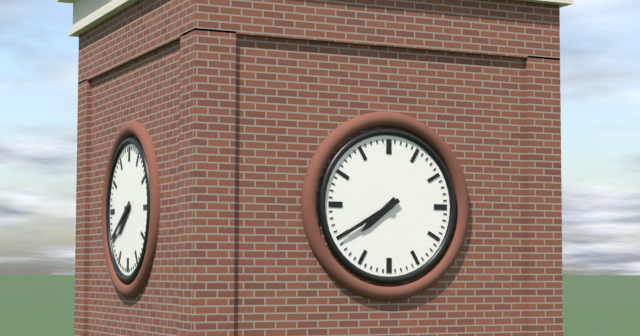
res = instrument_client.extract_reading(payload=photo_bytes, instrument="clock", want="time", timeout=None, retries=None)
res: 7:40
